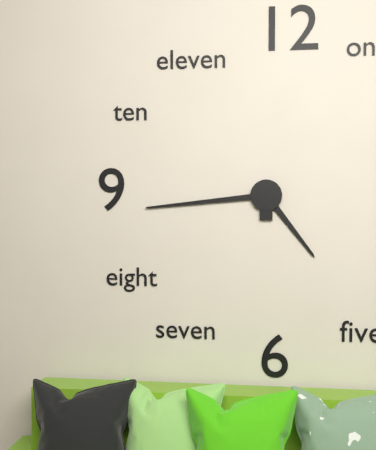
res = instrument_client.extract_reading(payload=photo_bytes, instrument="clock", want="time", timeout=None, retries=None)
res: 4:44
